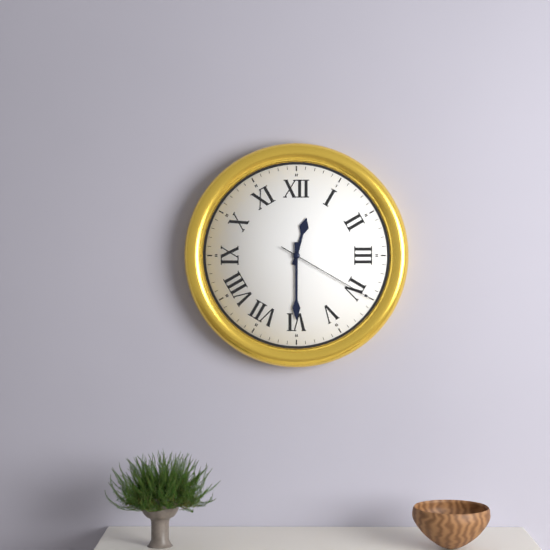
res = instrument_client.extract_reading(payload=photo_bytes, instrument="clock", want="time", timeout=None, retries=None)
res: 12:30:20
